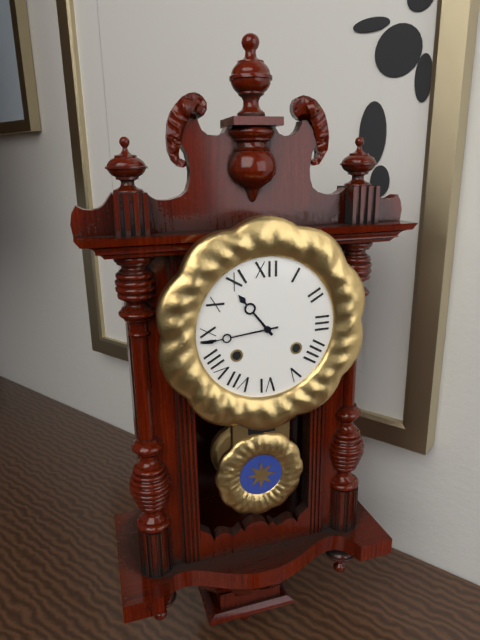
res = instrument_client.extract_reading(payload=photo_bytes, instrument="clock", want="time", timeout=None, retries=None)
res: 10:44
